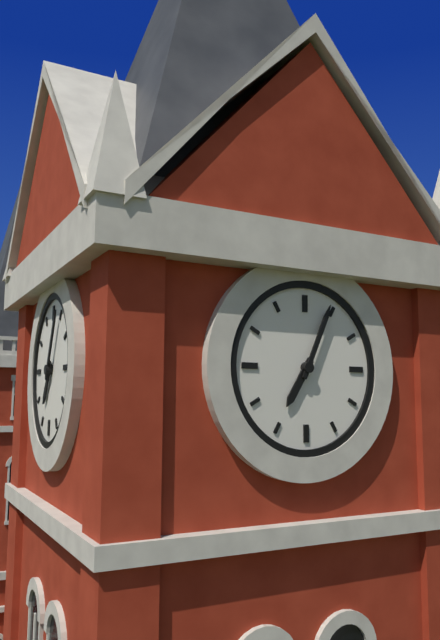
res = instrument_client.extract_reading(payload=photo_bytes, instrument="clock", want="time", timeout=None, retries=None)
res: 7:04
